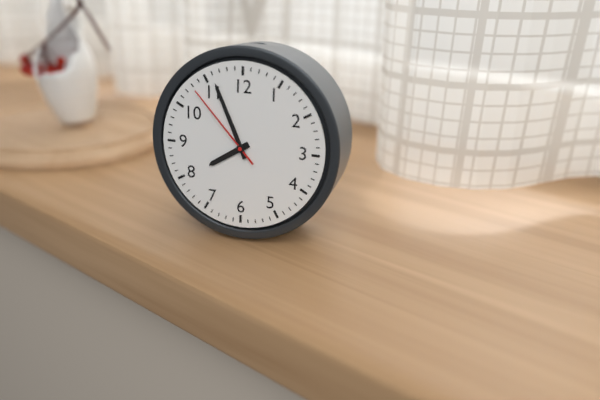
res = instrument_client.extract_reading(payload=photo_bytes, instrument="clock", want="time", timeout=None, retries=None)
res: 7:56:53
